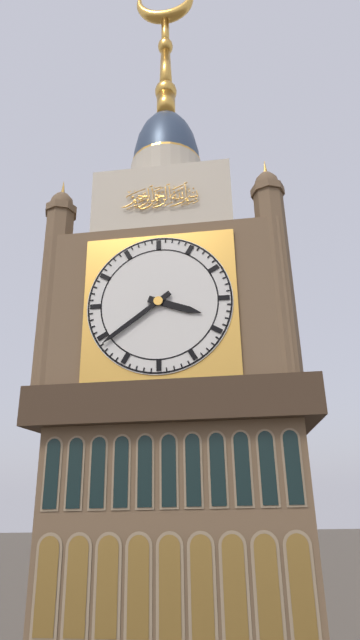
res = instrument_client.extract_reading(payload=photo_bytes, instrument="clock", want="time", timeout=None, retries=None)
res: 3:39
